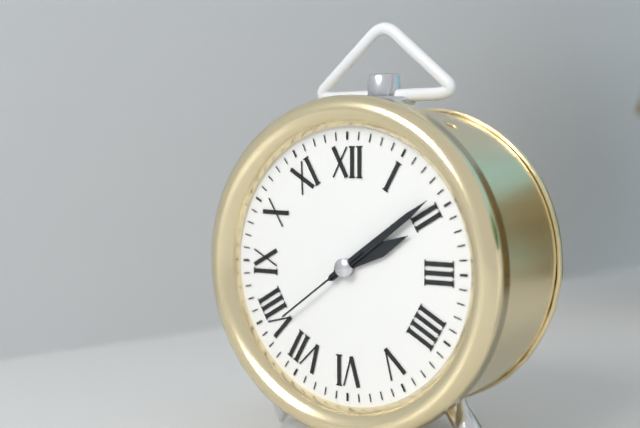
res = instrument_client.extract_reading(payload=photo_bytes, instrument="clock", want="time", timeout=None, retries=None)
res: 2:09:39
